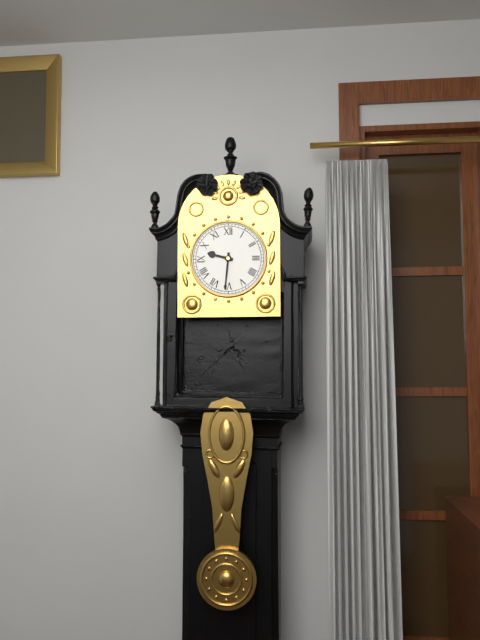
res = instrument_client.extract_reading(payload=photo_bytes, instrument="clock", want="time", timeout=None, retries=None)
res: 9:31
